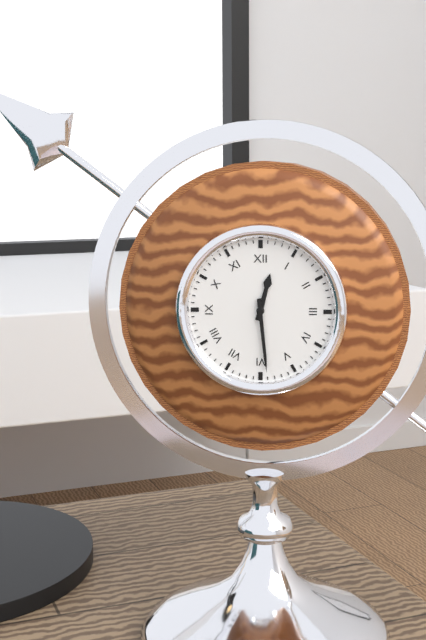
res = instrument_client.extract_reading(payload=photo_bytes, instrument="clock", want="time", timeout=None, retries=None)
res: 12:29
